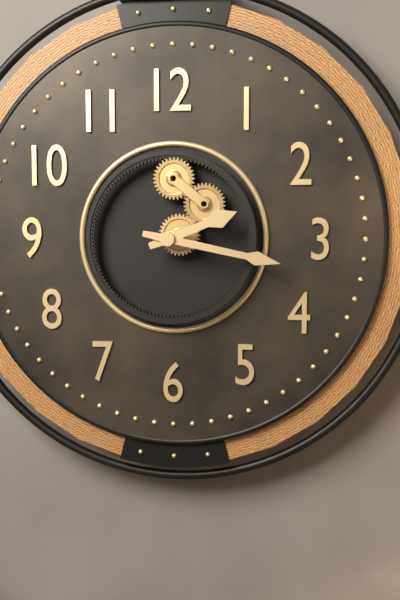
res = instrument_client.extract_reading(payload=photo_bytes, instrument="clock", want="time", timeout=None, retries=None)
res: 2:17
